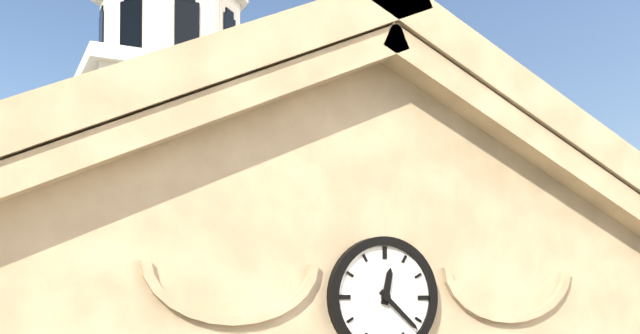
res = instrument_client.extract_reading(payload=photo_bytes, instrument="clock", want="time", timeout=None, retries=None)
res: 12:22
